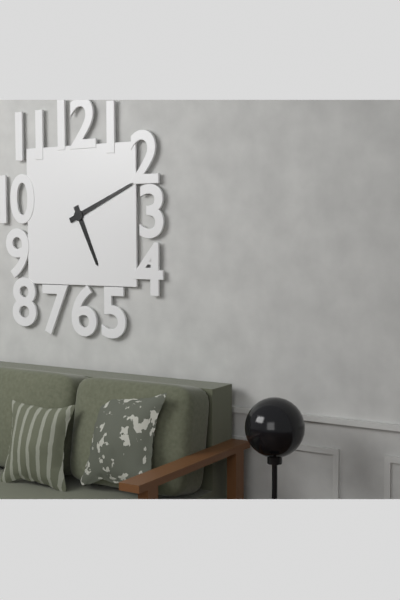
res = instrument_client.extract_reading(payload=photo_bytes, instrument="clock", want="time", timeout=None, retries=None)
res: 5:11
